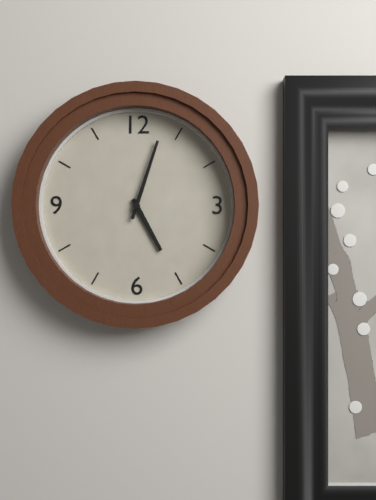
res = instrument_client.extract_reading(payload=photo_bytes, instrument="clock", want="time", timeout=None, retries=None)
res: 5:03
